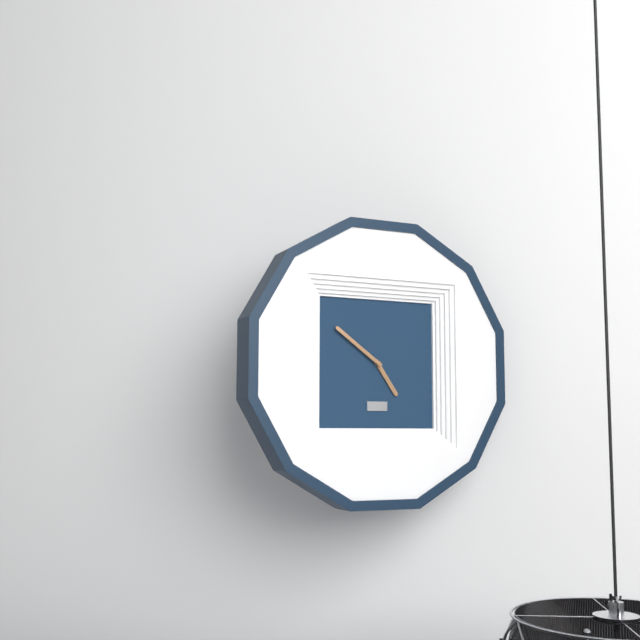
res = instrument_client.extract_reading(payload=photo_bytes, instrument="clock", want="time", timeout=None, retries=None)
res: 4:51
